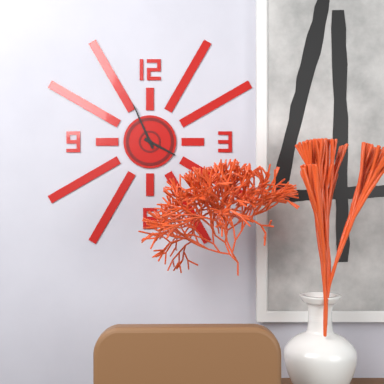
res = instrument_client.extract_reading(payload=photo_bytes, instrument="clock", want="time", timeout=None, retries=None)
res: 3:56
